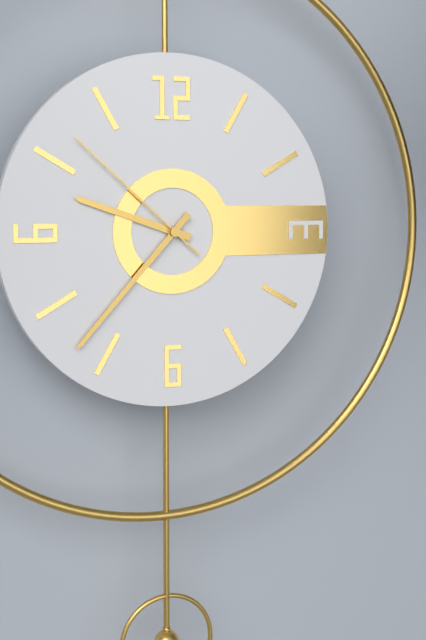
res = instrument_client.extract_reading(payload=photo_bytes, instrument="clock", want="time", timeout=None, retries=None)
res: 9:37:52
